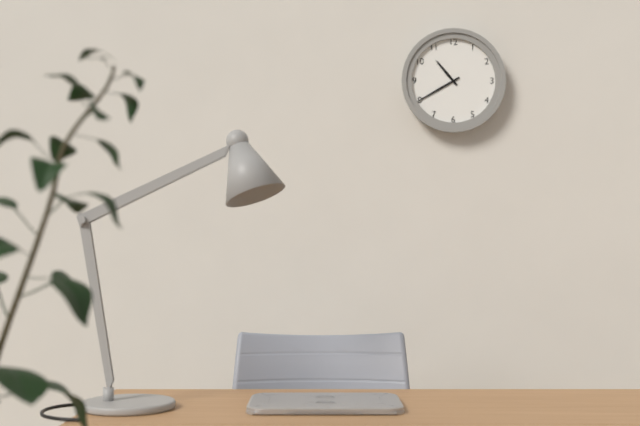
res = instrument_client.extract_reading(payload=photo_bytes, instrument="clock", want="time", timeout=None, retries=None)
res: 10:40
